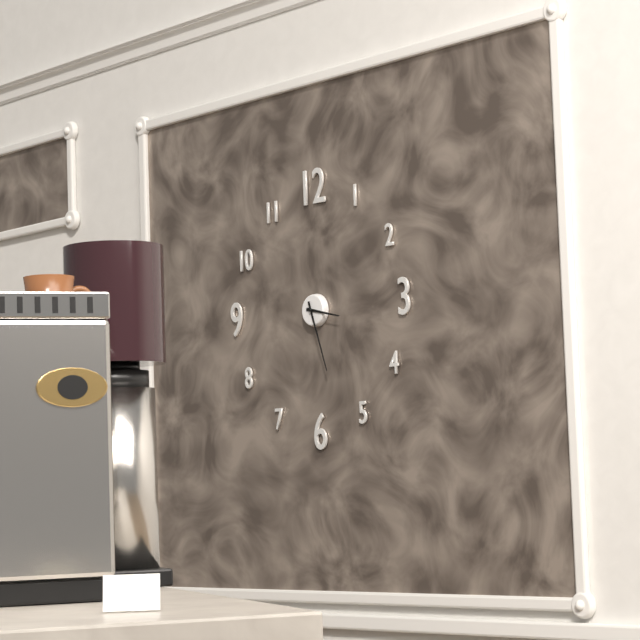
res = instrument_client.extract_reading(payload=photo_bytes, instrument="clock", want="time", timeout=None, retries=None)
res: 3:27
